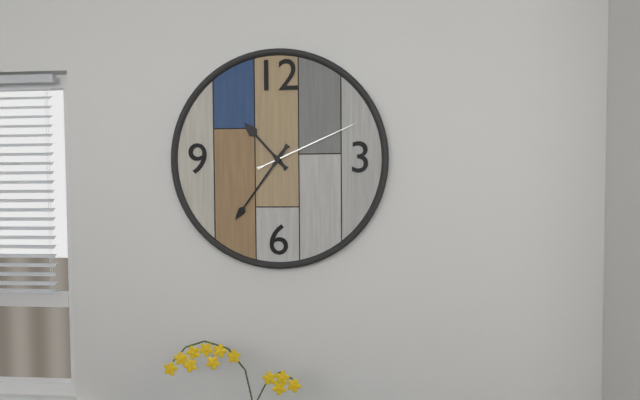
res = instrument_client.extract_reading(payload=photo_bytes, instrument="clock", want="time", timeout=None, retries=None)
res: 10:36:11
